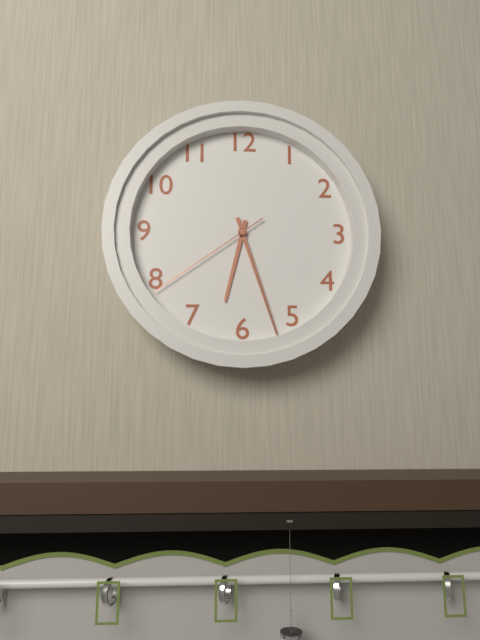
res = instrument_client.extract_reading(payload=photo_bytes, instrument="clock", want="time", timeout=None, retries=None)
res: 6:27:39
